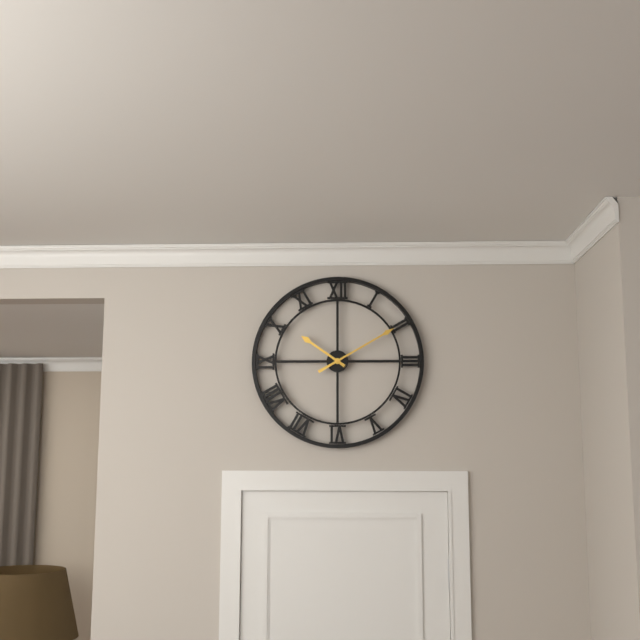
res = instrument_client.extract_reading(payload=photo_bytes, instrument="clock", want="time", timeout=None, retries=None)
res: 10:10
